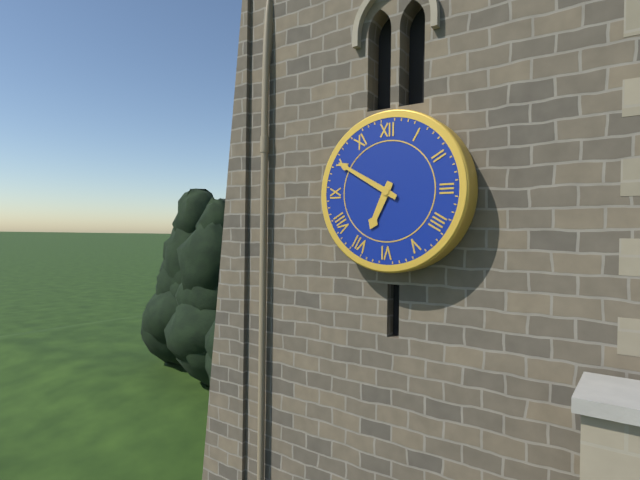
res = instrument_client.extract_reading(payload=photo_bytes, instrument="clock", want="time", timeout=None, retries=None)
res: 6:50
